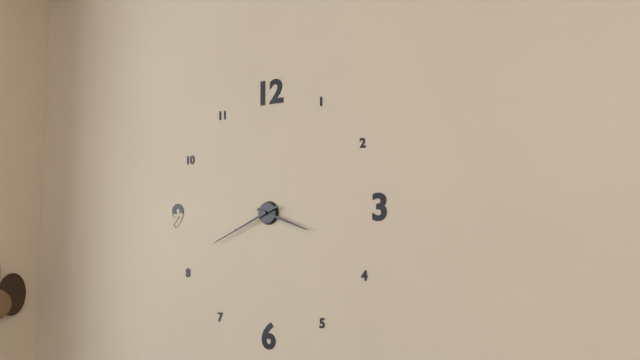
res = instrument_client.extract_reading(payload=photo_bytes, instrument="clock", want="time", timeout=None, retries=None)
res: 3:41
